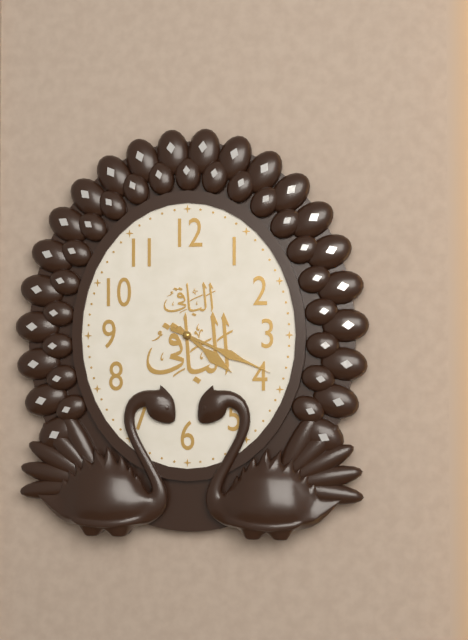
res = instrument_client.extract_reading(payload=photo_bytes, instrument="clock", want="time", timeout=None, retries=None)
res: 4:19
